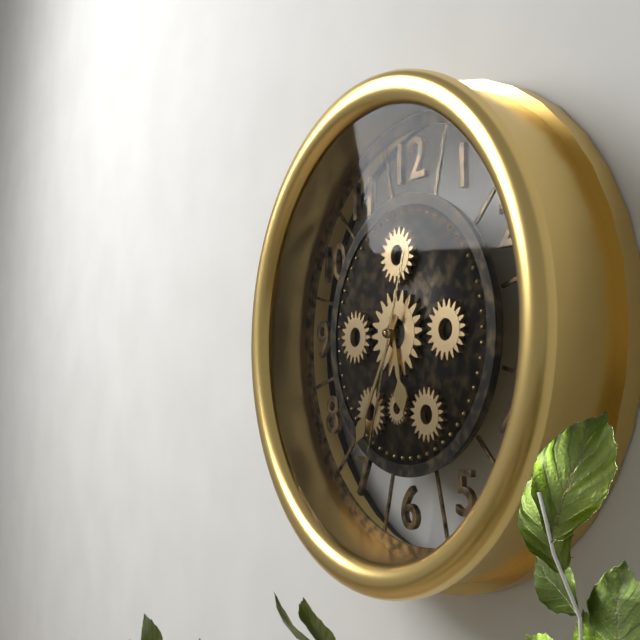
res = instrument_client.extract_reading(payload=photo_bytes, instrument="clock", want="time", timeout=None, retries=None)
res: 5:35:33
